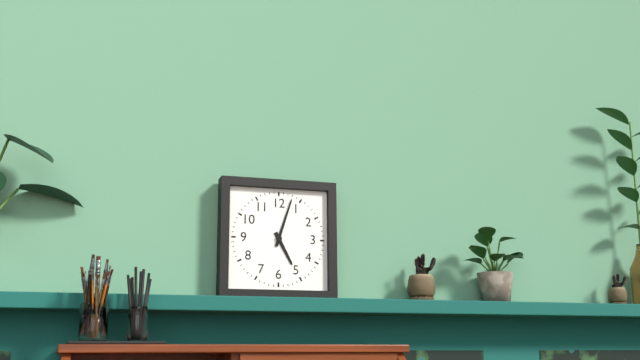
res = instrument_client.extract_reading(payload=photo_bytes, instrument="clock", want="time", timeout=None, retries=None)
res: 5:03
